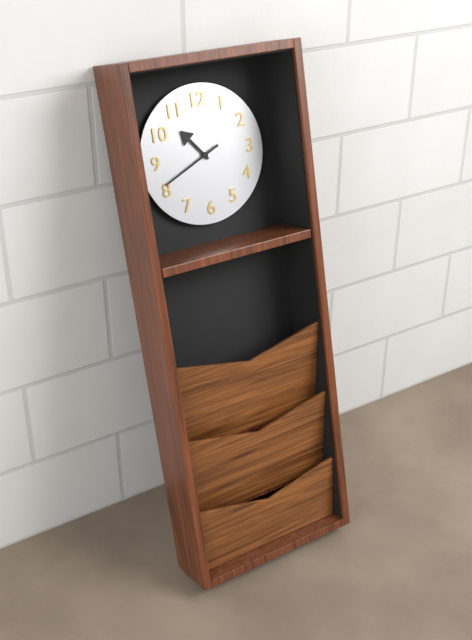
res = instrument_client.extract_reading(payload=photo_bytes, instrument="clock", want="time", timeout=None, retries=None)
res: 10:41
